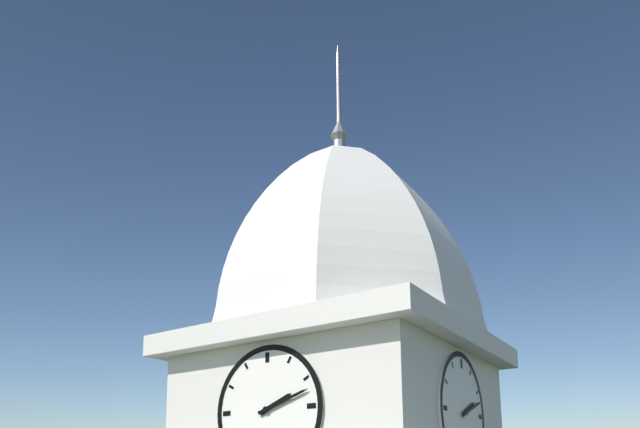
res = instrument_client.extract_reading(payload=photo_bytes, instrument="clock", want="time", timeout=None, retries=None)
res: 2:12
